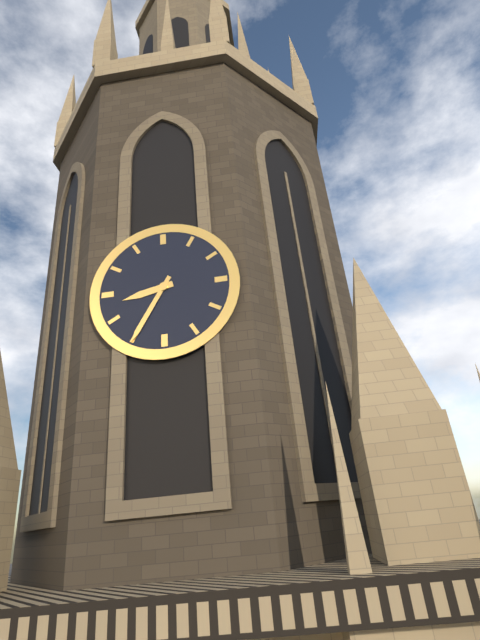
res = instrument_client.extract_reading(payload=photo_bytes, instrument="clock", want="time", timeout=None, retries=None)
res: 8:35
